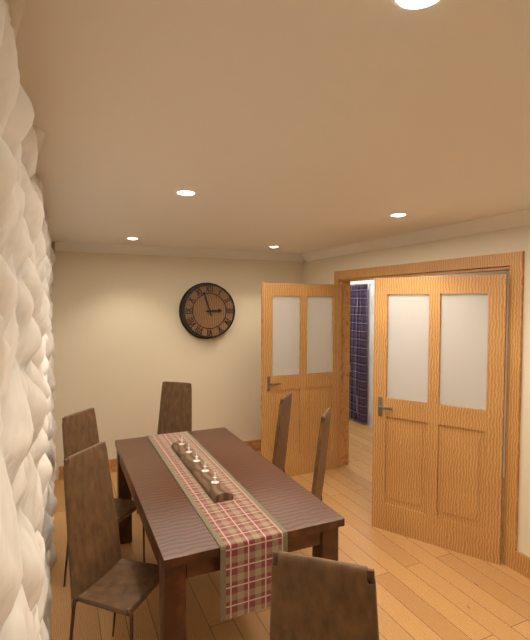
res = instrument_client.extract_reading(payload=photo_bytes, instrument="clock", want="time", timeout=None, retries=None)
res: 2:57
